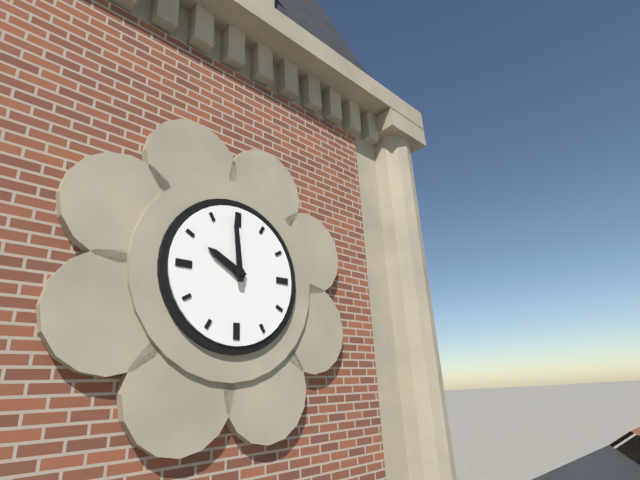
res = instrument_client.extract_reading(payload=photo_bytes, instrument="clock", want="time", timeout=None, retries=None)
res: 9:59
